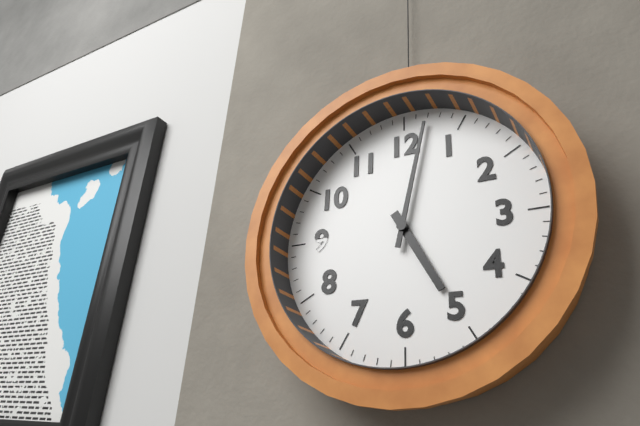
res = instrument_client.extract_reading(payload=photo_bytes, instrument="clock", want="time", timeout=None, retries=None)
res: 5:02
